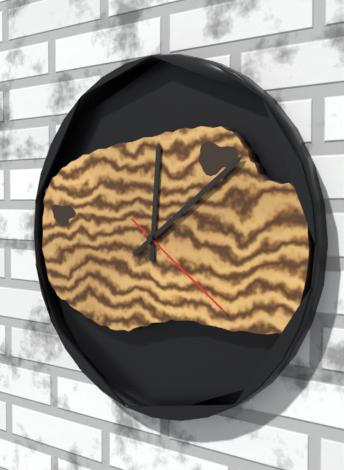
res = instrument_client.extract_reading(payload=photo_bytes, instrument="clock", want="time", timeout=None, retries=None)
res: 12:09:21
